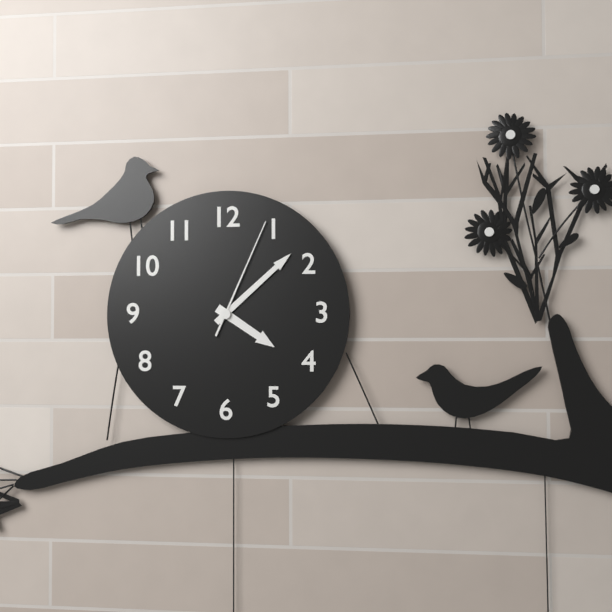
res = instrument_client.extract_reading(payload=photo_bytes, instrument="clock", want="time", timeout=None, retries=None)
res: 4:08:04
